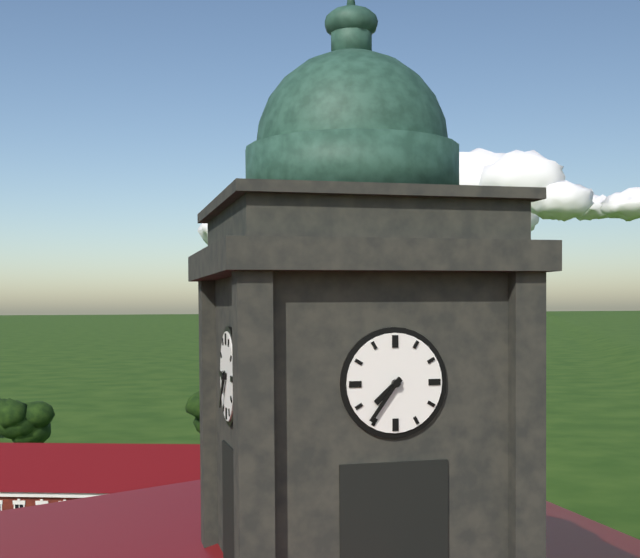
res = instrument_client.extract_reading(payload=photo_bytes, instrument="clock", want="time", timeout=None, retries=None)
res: 7:36
